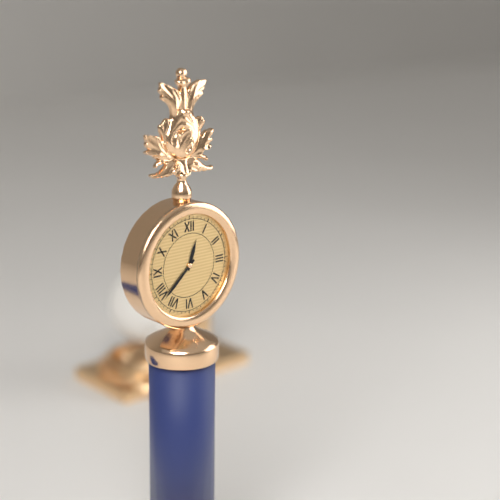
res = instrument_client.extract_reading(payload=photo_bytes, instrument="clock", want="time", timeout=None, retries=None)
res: 12:38
